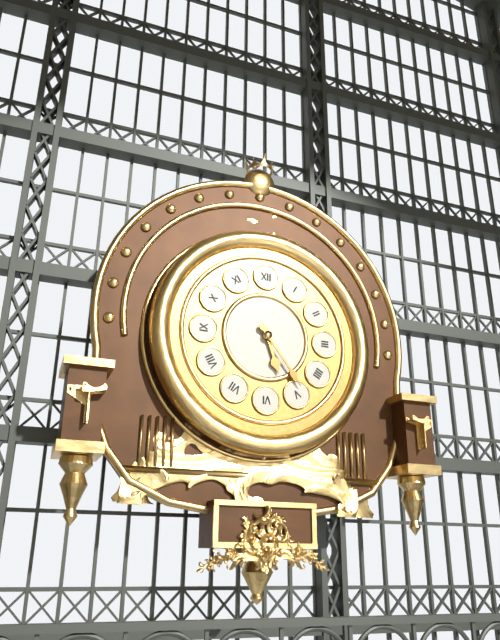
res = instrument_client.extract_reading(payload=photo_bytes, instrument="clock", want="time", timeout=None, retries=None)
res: 5:24
